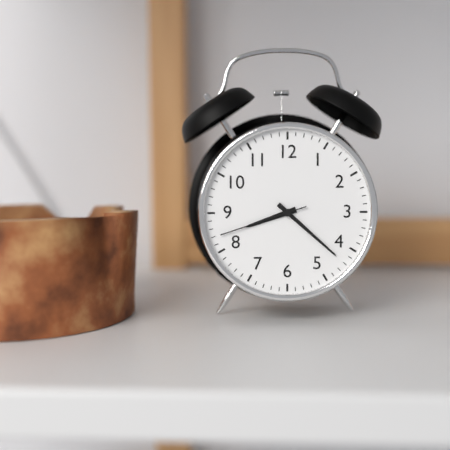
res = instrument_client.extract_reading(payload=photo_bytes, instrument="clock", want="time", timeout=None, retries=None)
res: 8:22:42
